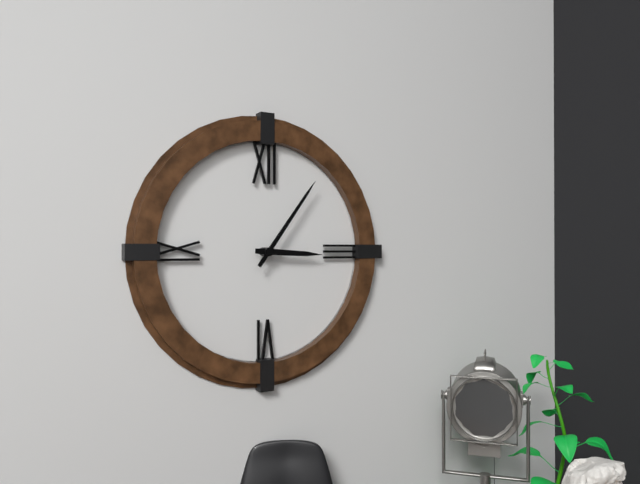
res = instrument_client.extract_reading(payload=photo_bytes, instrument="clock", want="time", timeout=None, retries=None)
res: 3:06
